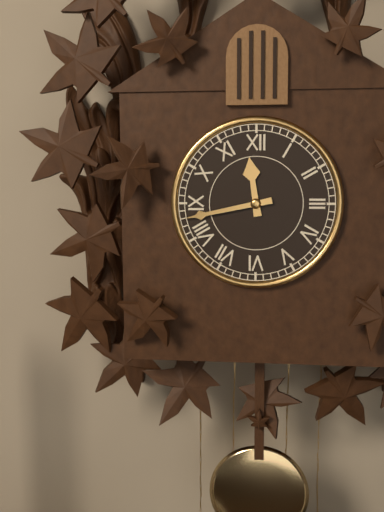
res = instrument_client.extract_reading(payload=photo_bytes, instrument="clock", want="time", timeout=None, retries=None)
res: 11:43
